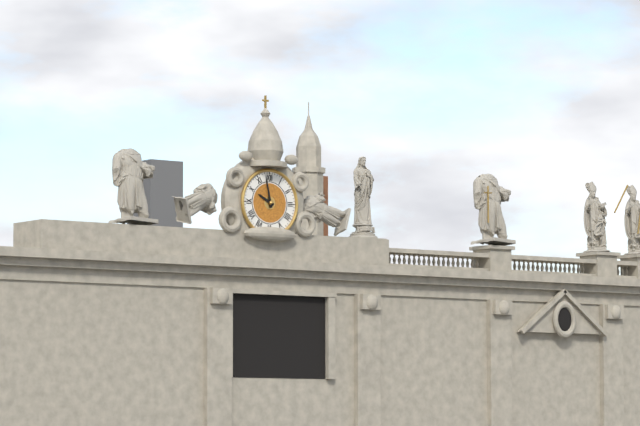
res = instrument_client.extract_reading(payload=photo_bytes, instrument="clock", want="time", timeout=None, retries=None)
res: 9:58
